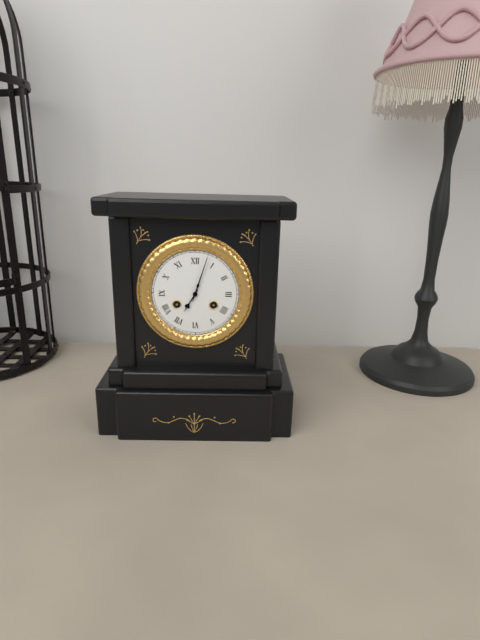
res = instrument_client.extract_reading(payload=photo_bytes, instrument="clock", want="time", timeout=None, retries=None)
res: 7:03
